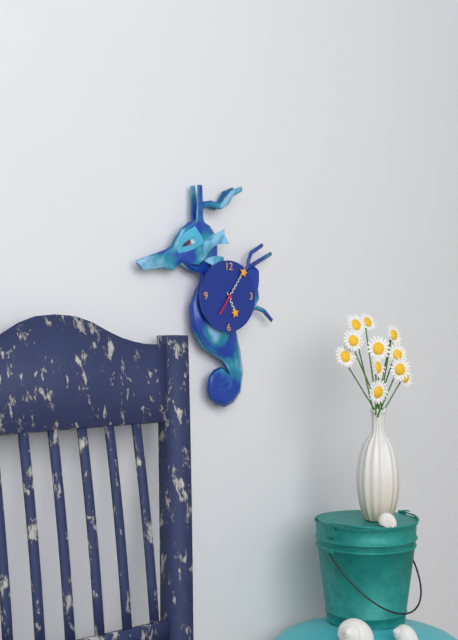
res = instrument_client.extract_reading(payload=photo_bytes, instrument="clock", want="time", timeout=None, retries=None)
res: 5:06
